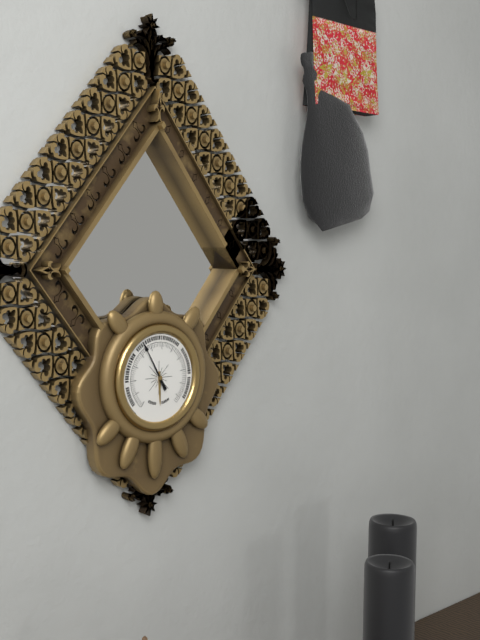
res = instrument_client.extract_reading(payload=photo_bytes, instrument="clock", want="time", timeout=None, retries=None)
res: 5:55
